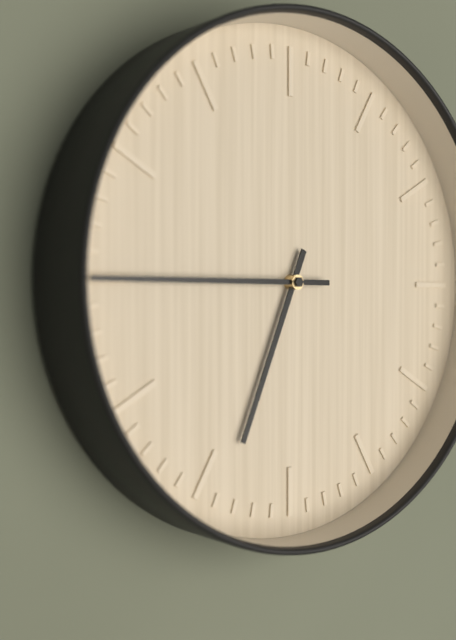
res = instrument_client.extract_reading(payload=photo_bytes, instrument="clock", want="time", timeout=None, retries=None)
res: 6:45
